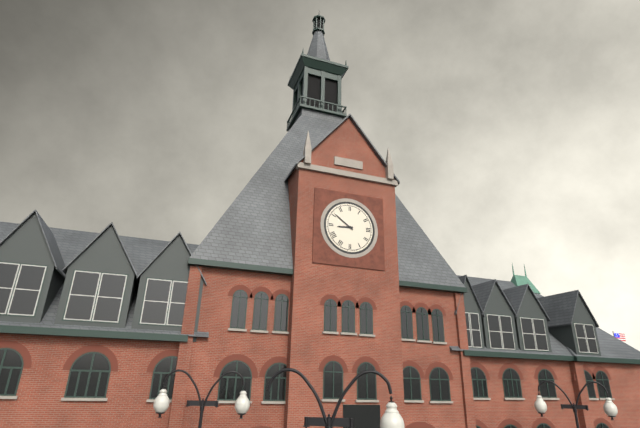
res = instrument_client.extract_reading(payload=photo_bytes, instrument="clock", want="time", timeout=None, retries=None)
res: 8:51
